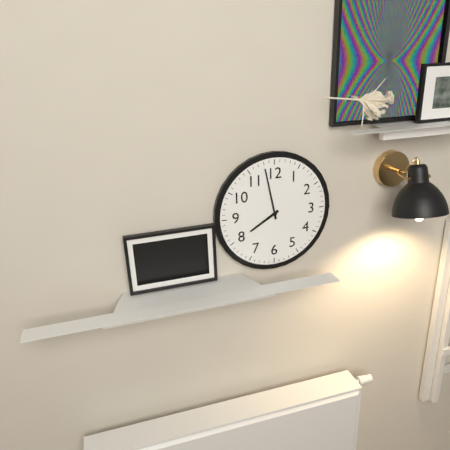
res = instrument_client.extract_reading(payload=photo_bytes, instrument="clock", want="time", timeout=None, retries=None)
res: 7:58
